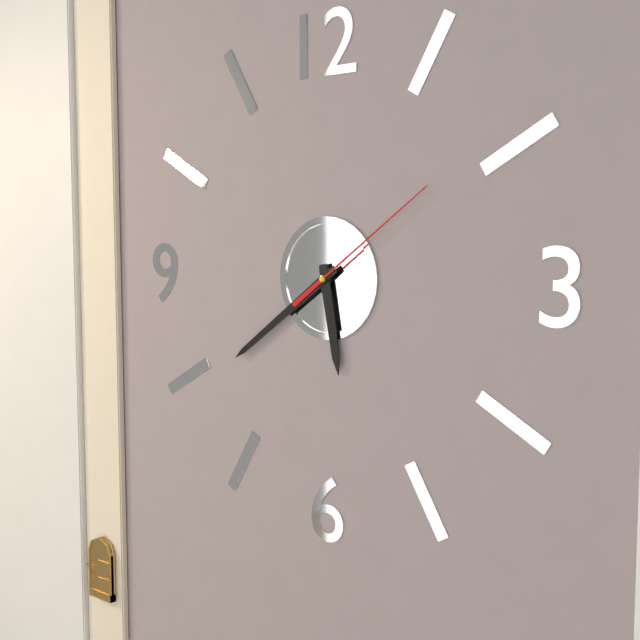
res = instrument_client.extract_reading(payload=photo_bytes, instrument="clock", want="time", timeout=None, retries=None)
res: 5:39:09
